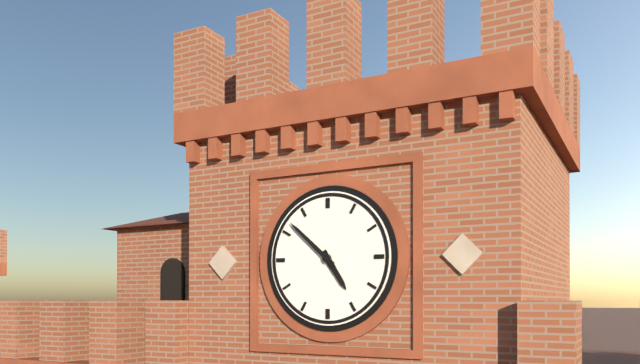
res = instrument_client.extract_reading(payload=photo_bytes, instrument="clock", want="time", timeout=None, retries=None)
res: 4:52
